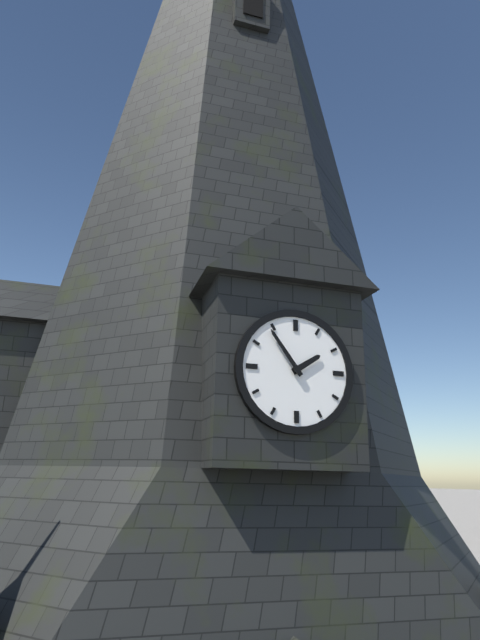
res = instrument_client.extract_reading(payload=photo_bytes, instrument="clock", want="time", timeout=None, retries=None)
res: 1:54
